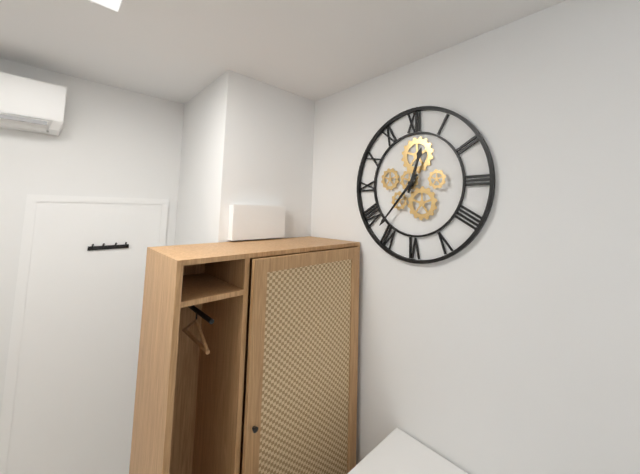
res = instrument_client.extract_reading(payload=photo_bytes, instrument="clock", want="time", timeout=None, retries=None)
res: 12:37
